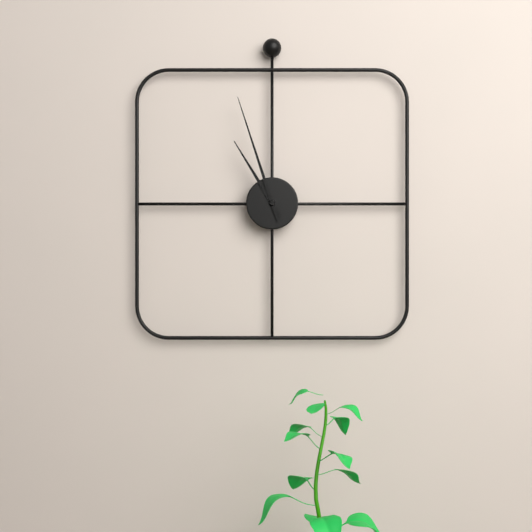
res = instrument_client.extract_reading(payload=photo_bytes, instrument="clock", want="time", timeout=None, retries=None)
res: 10:57
